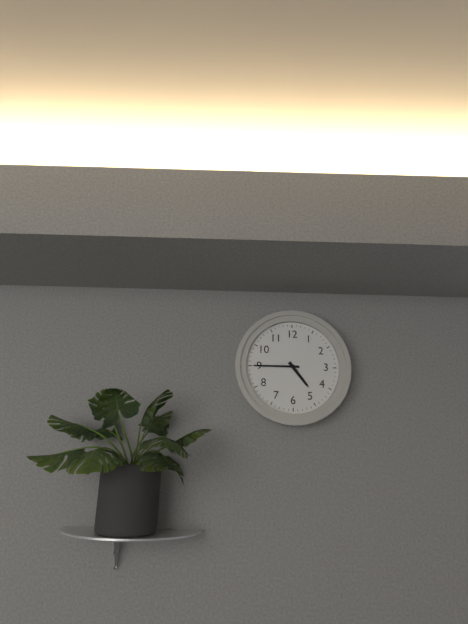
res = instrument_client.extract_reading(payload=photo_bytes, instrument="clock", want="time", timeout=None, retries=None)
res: 4:45
